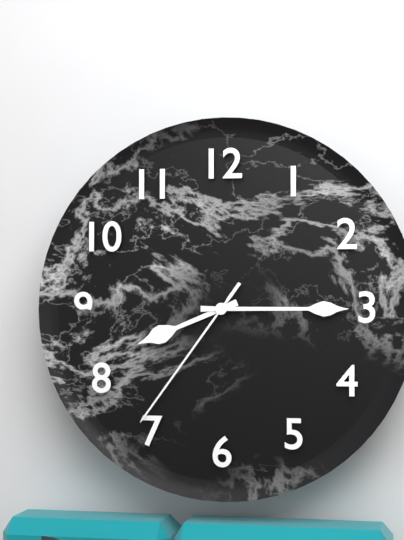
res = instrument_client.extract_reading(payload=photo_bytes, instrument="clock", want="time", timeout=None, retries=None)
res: 8:15:36
